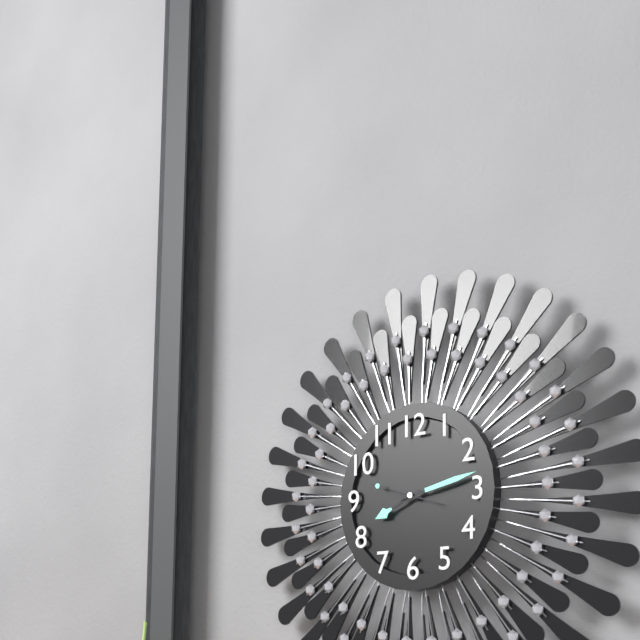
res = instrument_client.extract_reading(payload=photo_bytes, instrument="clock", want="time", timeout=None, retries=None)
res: 8:13:48
